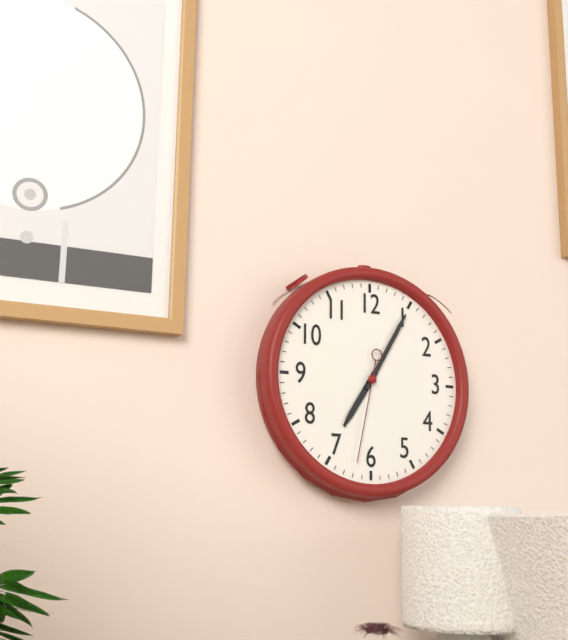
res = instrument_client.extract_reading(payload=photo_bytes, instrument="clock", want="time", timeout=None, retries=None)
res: 7:05:32
